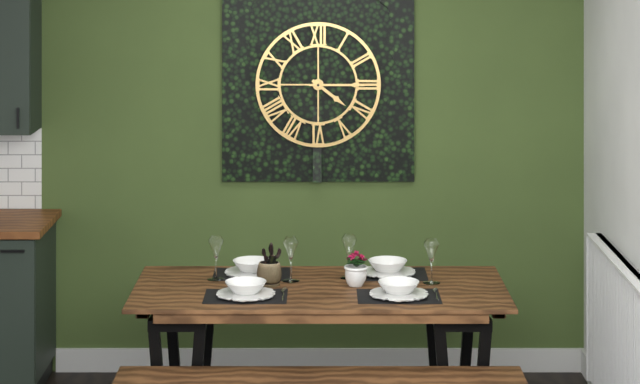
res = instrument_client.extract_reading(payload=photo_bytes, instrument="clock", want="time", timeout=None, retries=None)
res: 4:15
